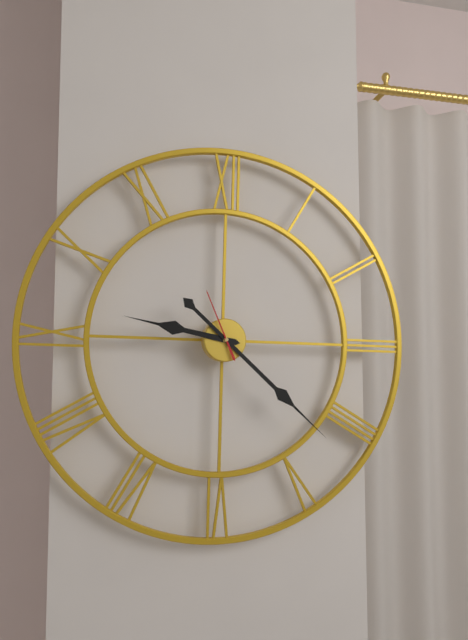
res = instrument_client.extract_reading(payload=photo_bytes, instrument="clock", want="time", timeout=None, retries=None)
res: 9:22:56
